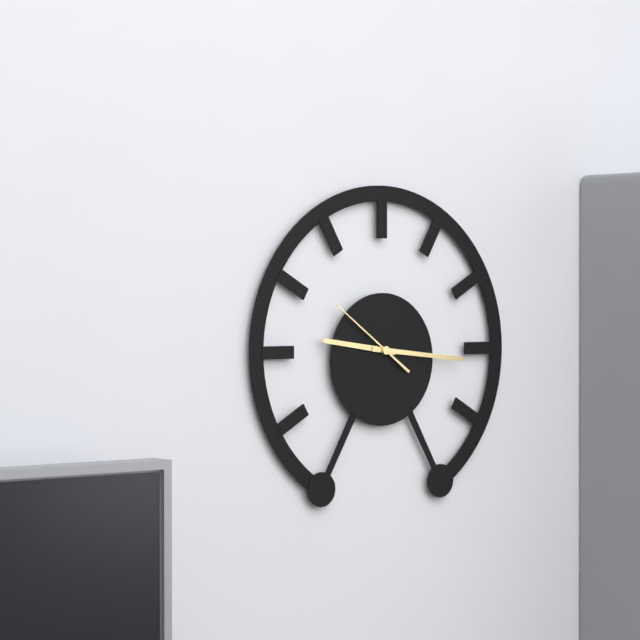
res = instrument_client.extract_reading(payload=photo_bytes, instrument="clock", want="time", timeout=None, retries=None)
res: 9:16:51
